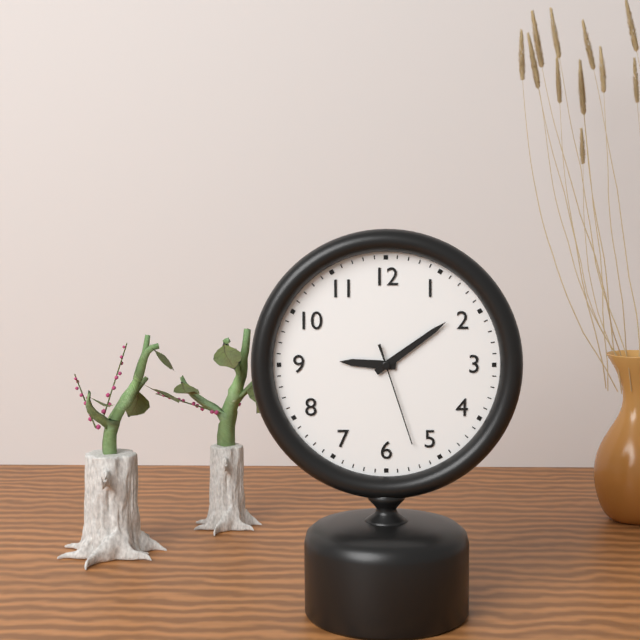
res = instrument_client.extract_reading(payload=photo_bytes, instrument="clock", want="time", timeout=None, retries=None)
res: 9:09:27
